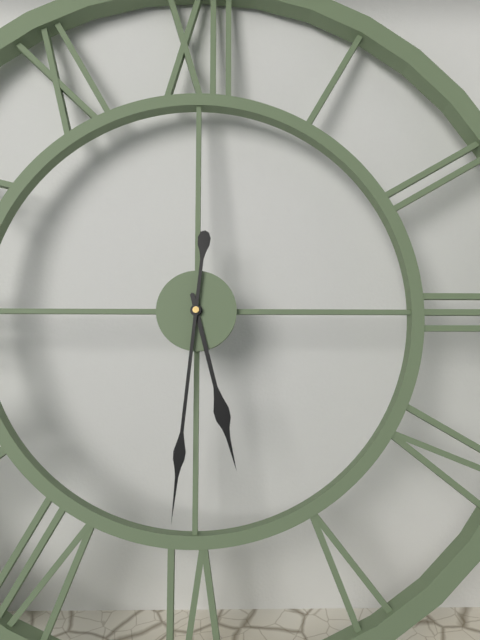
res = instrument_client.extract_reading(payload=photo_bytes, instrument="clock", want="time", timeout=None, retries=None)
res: 5:31
